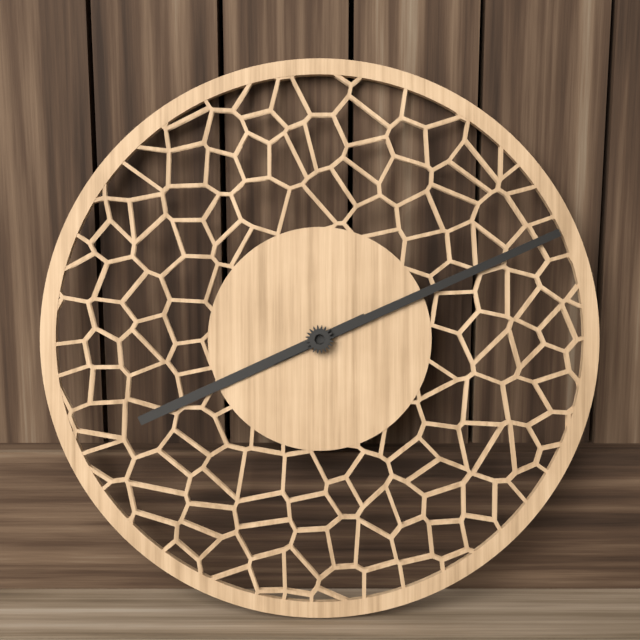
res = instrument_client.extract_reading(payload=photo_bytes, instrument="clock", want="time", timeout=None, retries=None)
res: 8:11
